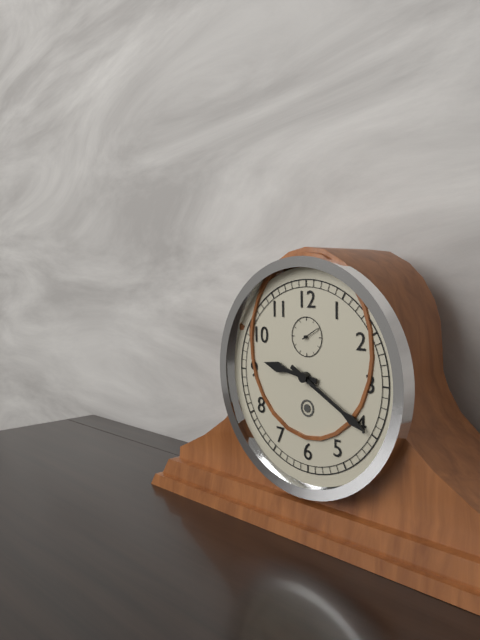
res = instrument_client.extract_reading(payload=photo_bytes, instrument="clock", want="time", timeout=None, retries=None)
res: 9:20
